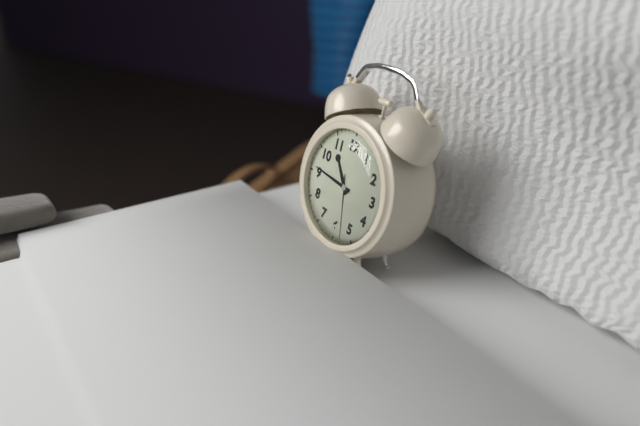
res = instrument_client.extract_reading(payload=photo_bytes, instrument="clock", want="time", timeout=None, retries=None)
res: 10:46:28
